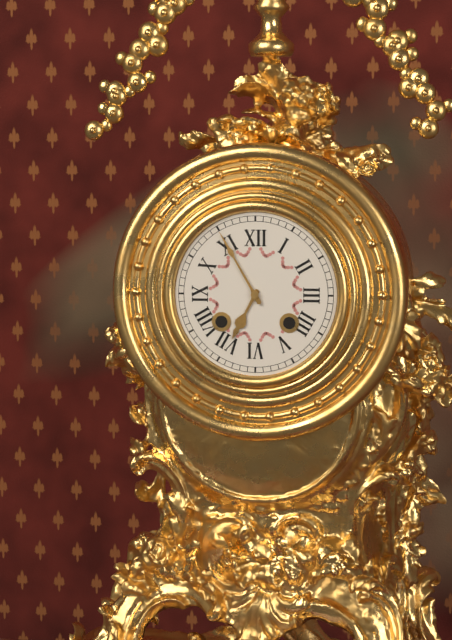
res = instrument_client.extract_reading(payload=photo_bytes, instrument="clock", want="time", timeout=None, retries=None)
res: 6:55
